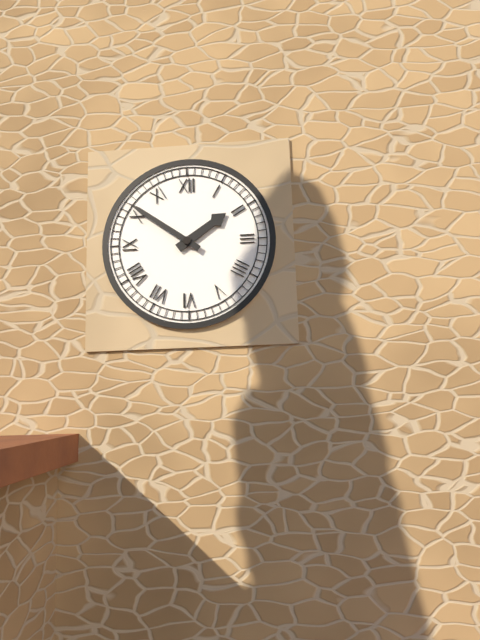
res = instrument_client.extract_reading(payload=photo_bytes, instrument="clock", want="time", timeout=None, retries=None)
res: 1:51
